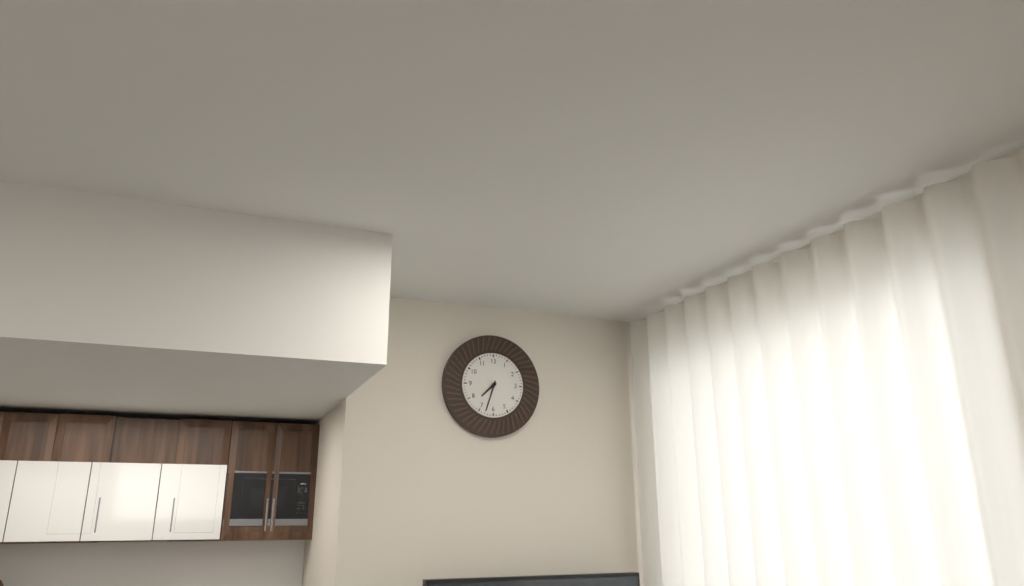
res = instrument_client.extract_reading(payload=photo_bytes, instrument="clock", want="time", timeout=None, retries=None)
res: 7:33
